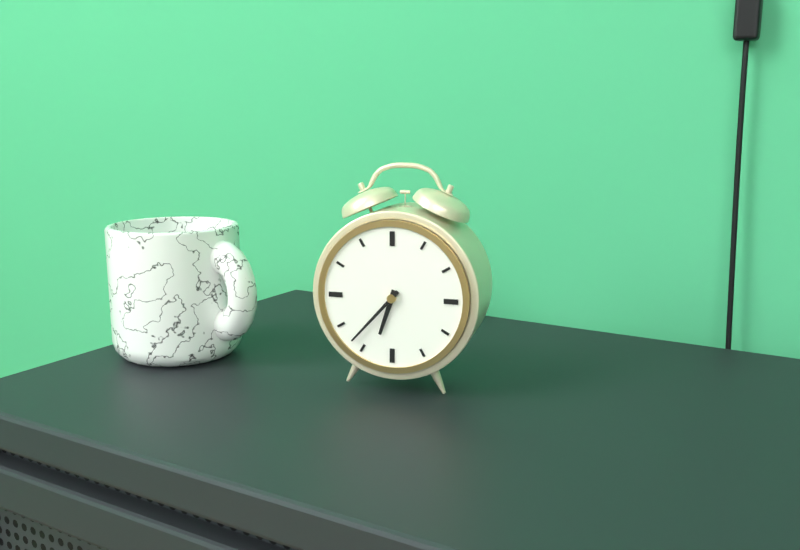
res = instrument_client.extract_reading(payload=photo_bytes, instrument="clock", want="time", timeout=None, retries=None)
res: 6:37
